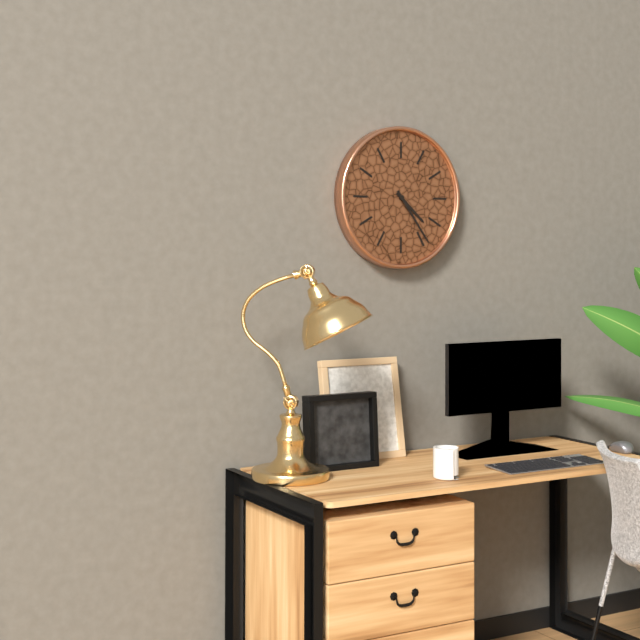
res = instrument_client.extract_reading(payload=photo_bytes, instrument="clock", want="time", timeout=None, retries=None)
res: 4:24
